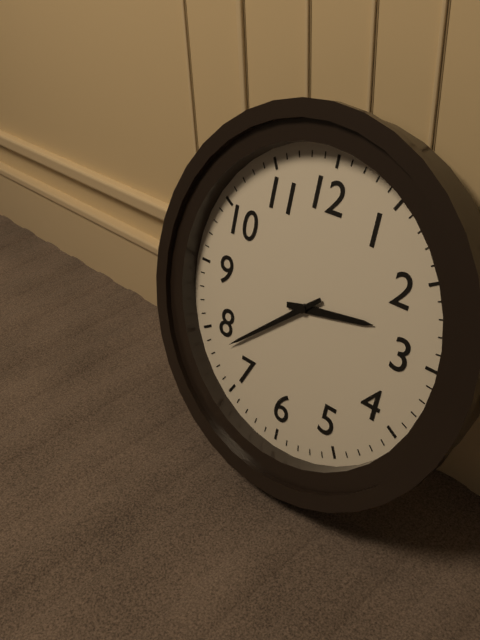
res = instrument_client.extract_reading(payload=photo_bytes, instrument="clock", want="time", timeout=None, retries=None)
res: 2:38
